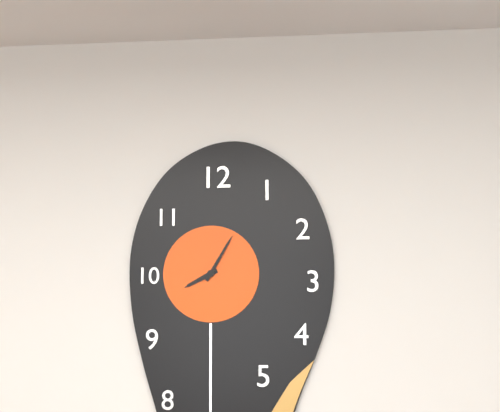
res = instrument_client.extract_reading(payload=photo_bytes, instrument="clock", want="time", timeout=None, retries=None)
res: 8:05
